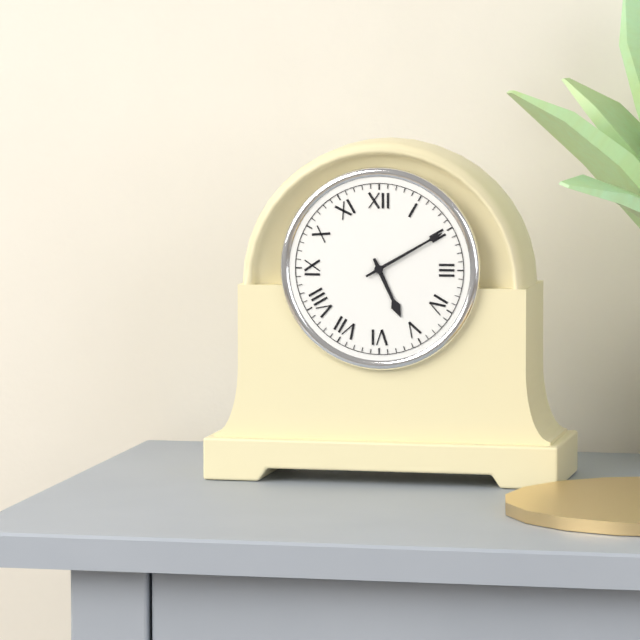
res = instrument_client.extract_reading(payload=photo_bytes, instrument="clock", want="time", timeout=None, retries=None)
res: 5:10
